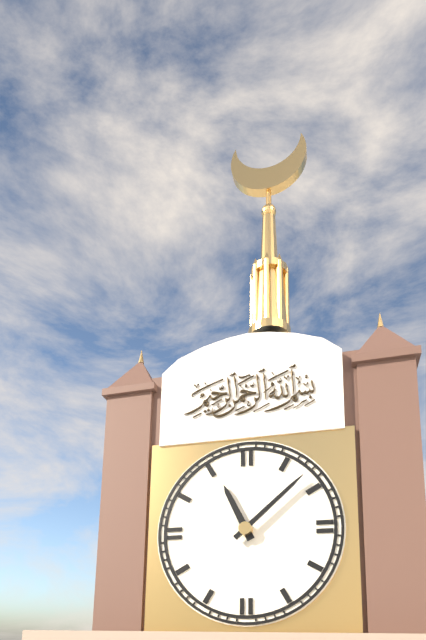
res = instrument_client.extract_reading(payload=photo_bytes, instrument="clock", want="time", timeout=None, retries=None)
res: 11:08
